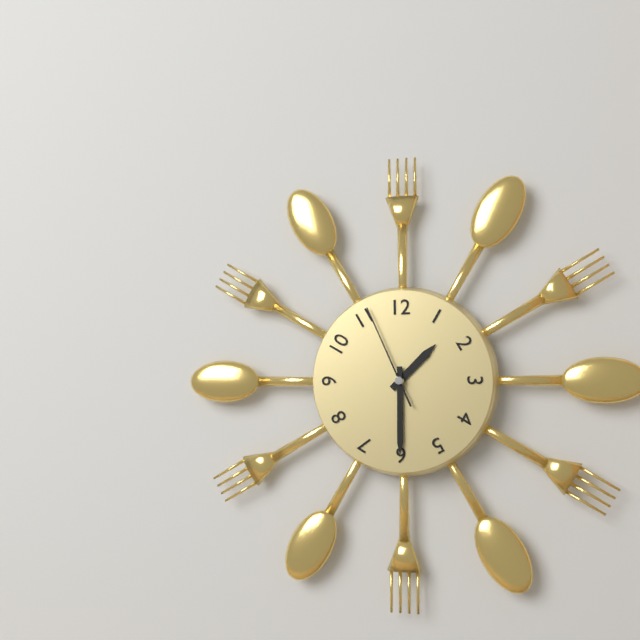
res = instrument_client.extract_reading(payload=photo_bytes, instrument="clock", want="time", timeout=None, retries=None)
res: 1:30:56
